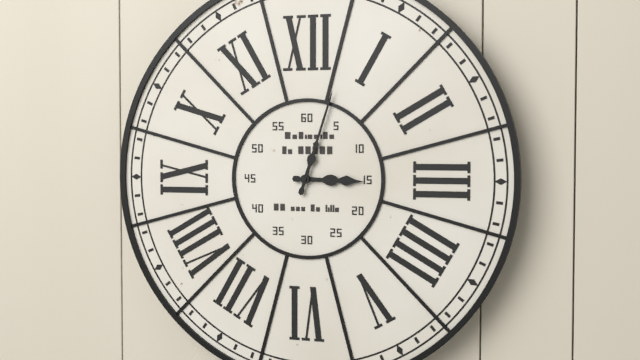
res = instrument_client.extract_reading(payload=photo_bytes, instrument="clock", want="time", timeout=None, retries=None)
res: 3:03
